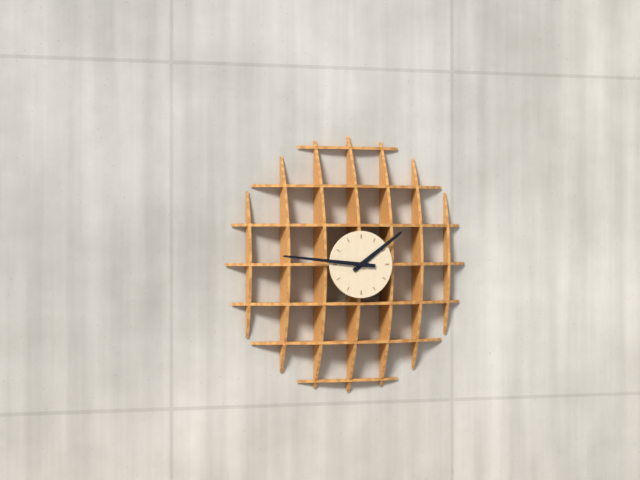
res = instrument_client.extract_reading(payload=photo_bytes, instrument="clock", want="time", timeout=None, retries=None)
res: 1:46
